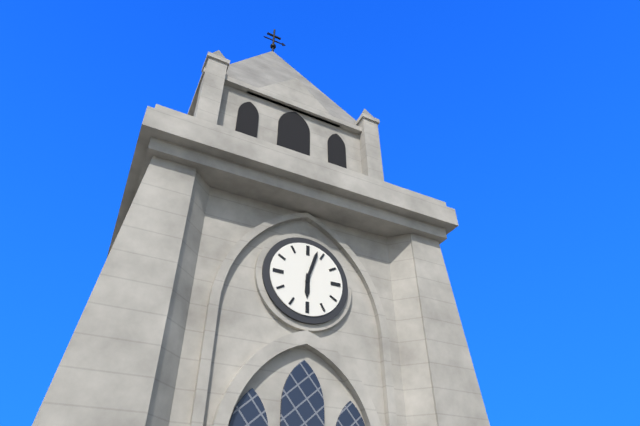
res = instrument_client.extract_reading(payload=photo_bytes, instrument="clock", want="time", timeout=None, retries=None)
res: 6:03
